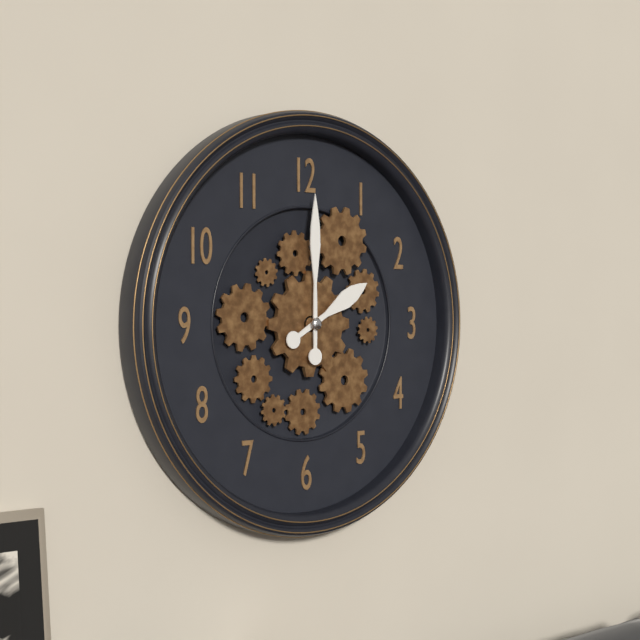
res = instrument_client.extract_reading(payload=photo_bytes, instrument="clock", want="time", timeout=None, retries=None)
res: 2:00
